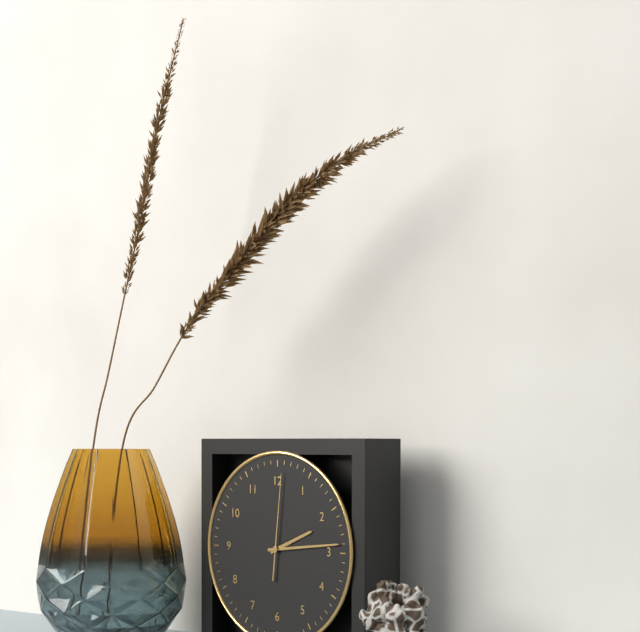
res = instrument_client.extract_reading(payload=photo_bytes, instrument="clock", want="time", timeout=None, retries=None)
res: 2:14:01
